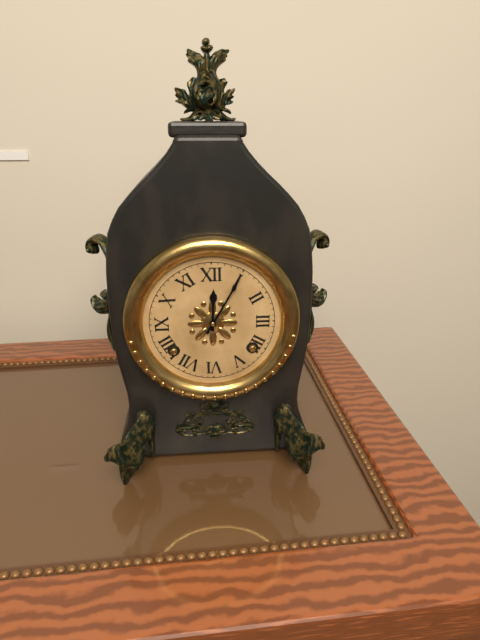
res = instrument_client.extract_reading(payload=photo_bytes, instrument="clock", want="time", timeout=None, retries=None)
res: 12:05
